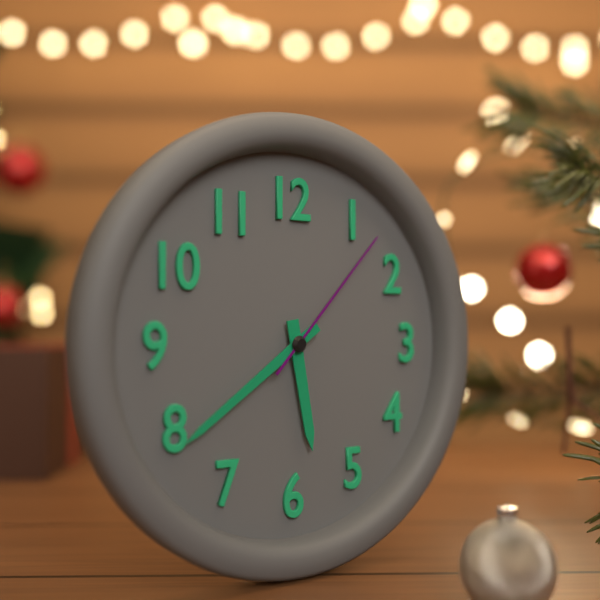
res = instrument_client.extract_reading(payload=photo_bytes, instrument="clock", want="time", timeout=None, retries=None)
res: 5:39:07
